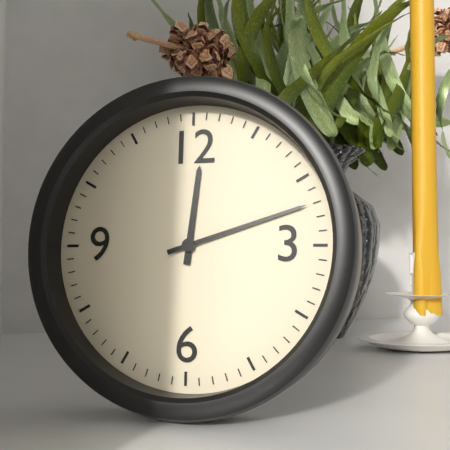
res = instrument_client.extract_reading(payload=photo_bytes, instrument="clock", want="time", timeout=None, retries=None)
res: 12:12
